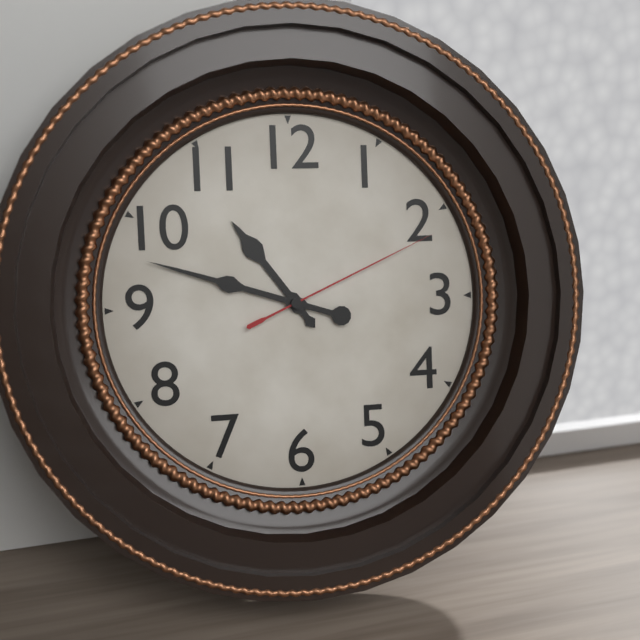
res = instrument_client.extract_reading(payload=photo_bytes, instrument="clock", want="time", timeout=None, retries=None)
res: 10:48:11
